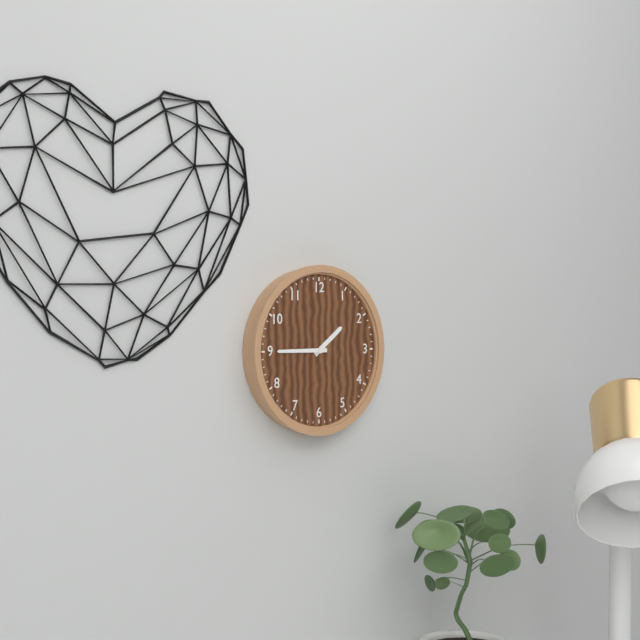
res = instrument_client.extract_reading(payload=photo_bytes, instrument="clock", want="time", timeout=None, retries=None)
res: 1:45
